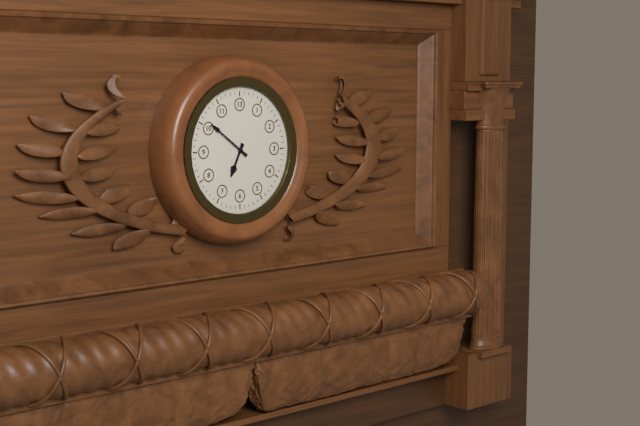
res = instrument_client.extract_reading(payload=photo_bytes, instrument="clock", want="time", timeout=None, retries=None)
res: 6:51
